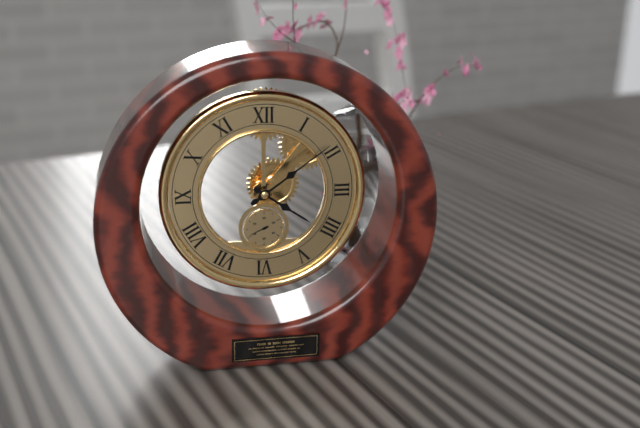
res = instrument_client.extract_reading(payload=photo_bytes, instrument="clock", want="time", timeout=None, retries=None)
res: 4:09
